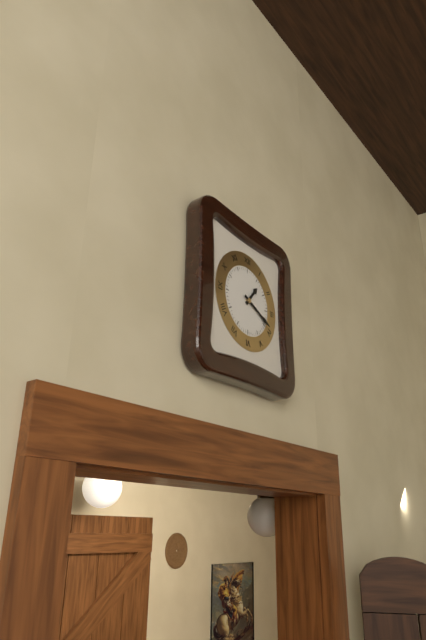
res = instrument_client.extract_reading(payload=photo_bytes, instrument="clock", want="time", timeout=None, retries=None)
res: 1:19
